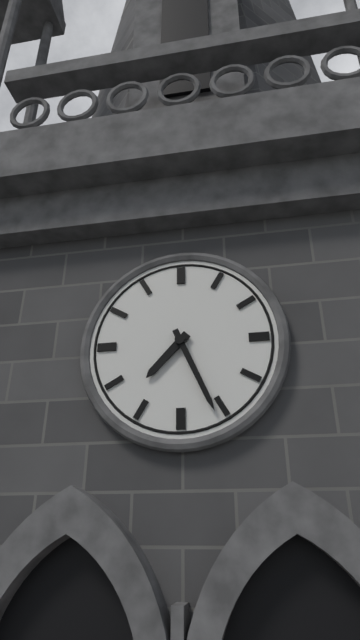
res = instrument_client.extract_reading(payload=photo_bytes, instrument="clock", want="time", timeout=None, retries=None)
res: 7:26
